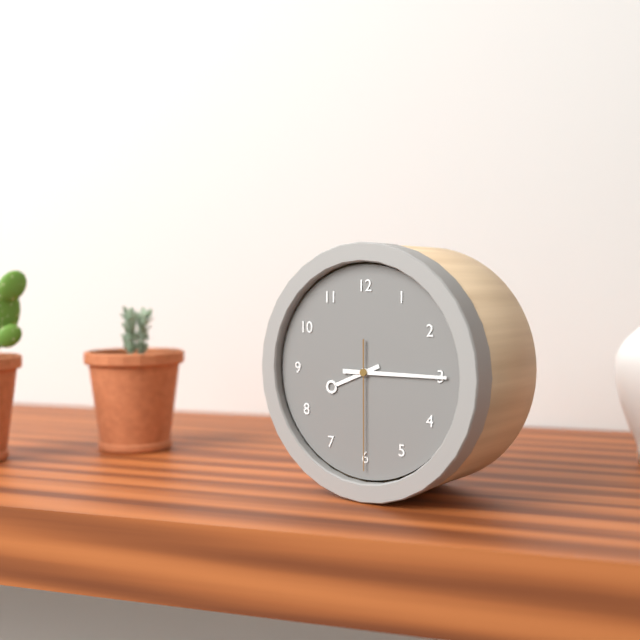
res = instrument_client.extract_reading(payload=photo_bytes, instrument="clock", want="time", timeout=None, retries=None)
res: 8:15:30
